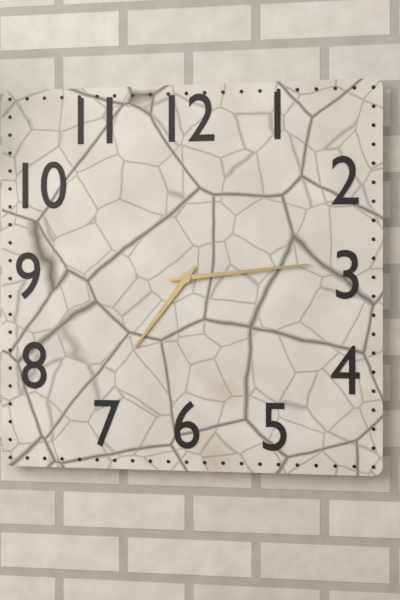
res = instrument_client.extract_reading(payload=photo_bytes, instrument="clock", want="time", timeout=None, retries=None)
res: 7:14
